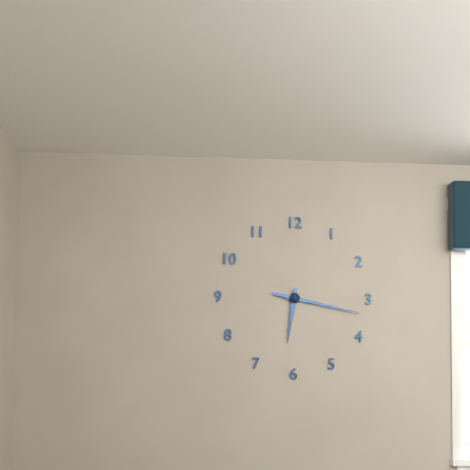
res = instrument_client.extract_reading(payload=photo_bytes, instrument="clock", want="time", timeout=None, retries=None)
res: 6:17
